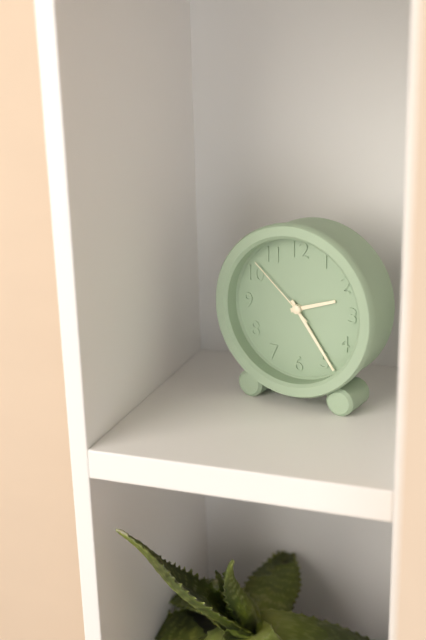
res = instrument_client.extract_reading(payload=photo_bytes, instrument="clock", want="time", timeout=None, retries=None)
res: 2:24:52
